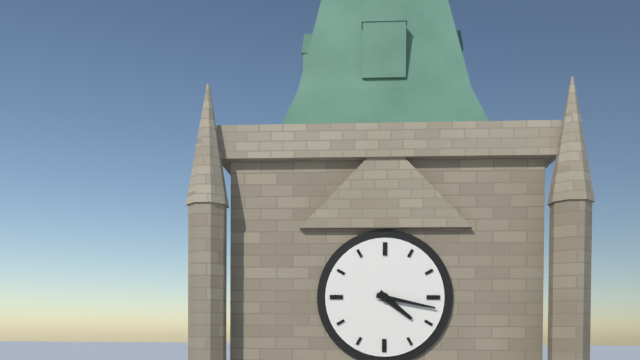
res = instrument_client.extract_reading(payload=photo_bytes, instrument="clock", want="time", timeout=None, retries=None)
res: 4:17
